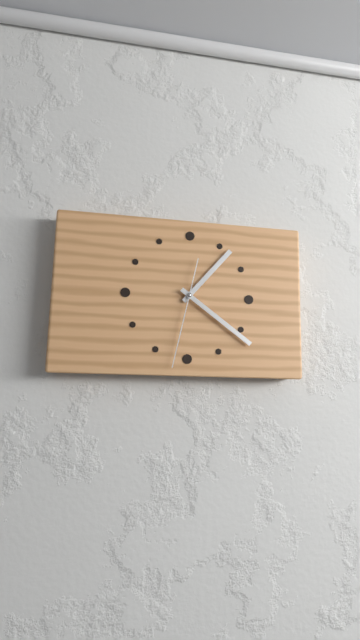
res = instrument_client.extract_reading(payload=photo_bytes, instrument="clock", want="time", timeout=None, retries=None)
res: 1:21:32
